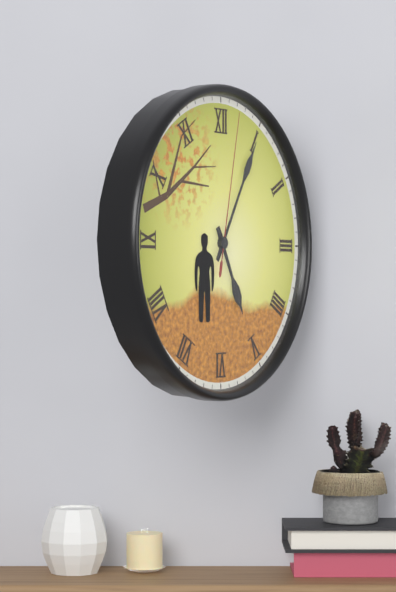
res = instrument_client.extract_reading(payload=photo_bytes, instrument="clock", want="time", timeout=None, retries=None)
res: 5:05:02
